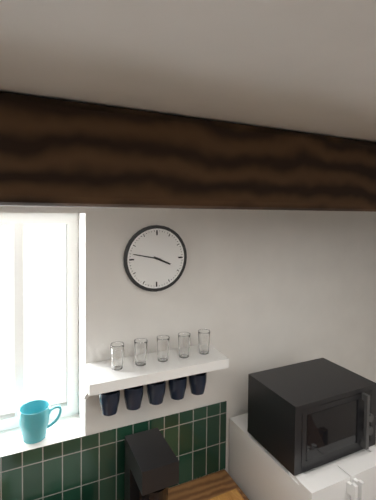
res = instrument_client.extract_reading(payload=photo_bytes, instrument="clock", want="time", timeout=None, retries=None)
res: 3:47
